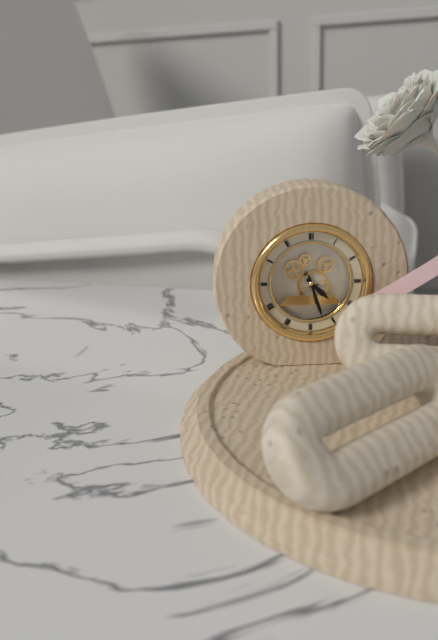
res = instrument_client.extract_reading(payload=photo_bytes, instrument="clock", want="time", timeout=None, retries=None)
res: 4:27
